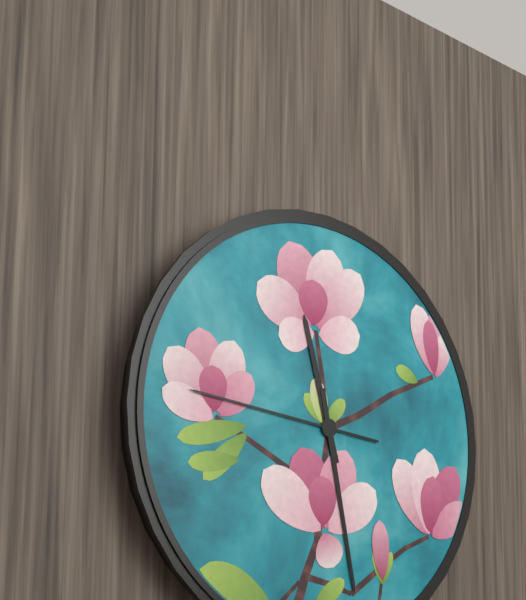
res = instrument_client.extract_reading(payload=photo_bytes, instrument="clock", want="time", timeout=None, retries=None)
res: 11:28:46
